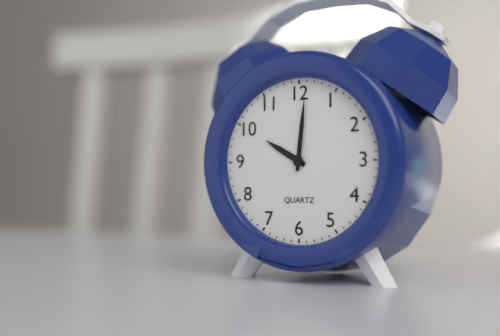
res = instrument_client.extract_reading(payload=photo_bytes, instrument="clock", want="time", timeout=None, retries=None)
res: 10:01
